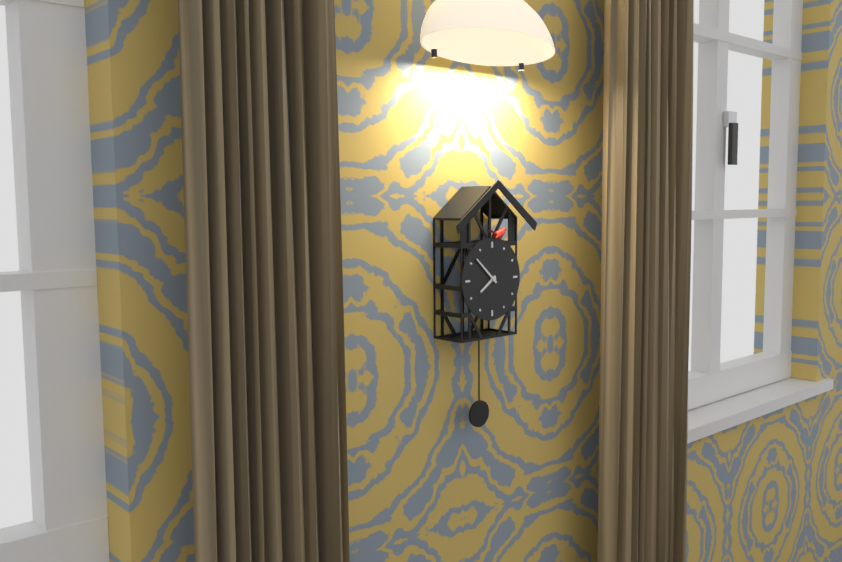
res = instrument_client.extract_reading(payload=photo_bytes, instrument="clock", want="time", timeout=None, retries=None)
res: 7:52
